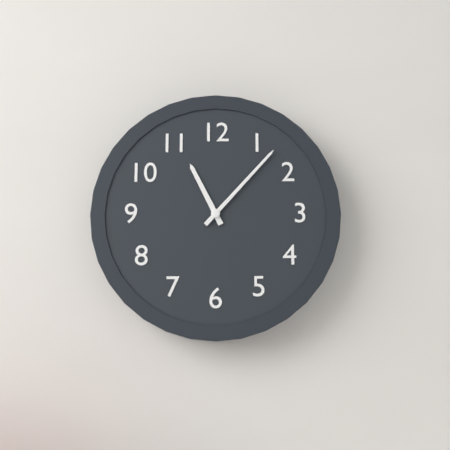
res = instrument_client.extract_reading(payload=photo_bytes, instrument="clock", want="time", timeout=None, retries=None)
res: 11:07
